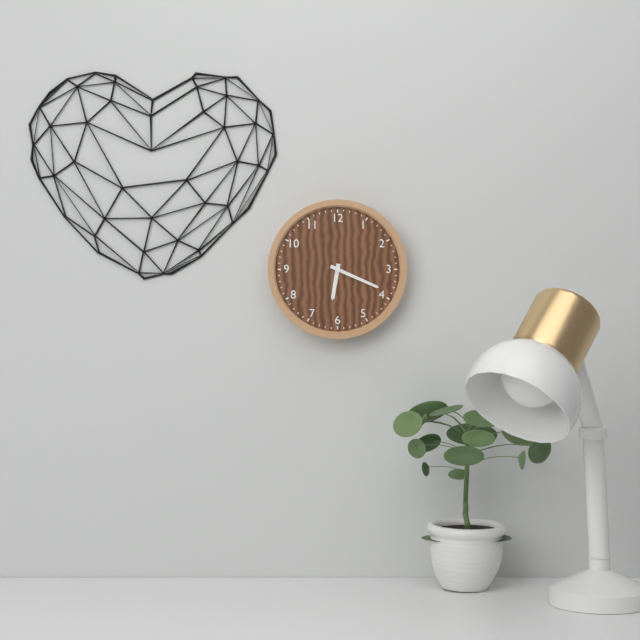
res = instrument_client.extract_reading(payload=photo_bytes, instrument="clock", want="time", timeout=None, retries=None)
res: 6:19
